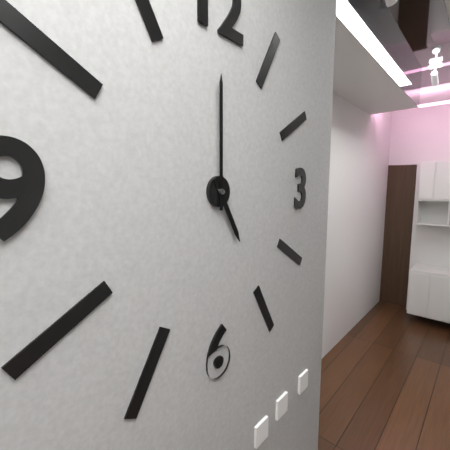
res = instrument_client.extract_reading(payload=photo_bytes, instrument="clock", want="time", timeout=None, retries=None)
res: 5:00
